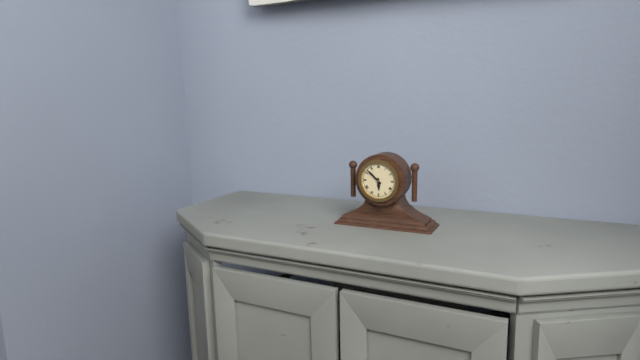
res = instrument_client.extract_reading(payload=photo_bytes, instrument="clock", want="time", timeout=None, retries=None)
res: 5:52
